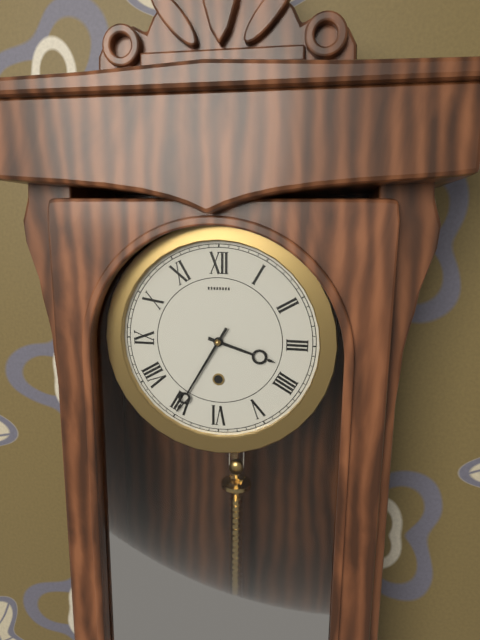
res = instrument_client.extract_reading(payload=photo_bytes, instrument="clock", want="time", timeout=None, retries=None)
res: 3:35
